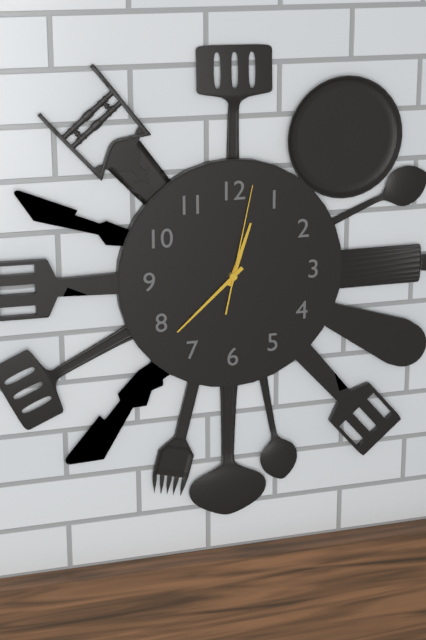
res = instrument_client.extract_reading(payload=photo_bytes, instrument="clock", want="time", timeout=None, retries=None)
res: 12:38:02
